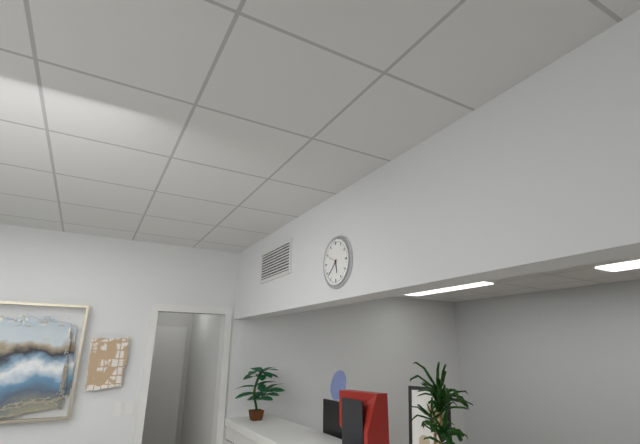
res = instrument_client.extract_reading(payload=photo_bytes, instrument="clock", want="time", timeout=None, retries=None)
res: 5:38
